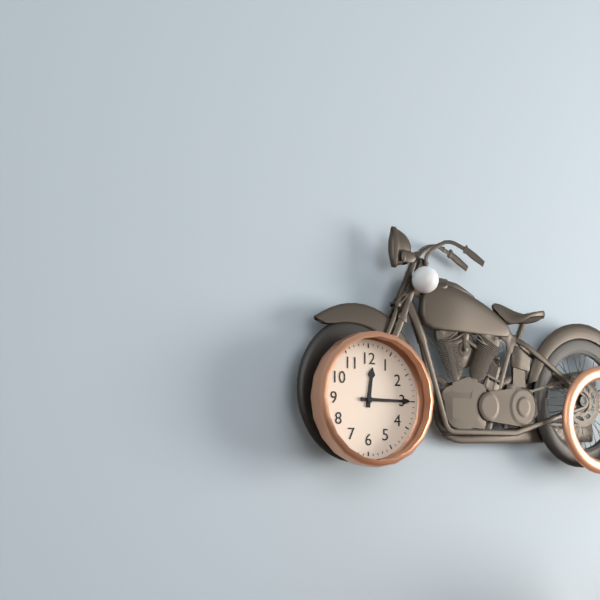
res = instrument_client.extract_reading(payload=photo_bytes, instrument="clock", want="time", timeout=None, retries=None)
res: 12:15
